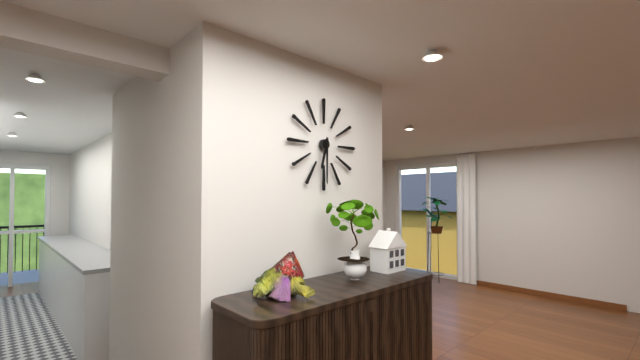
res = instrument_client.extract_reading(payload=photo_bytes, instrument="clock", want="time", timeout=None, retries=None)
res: 6:30
